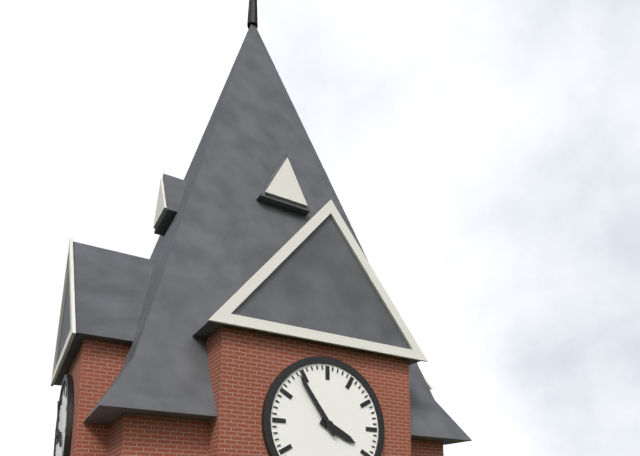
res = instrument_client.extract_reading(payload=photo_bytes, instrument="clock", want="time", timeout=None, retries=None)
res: 3:54
